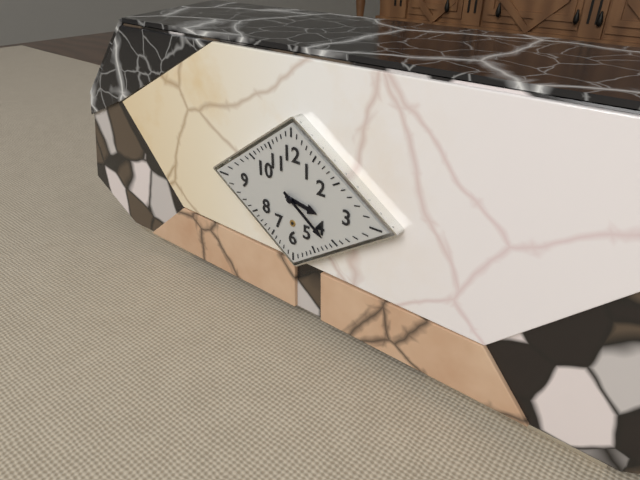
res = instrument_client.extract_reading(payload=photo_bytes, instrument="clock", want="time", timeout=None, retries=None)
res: 3:21
